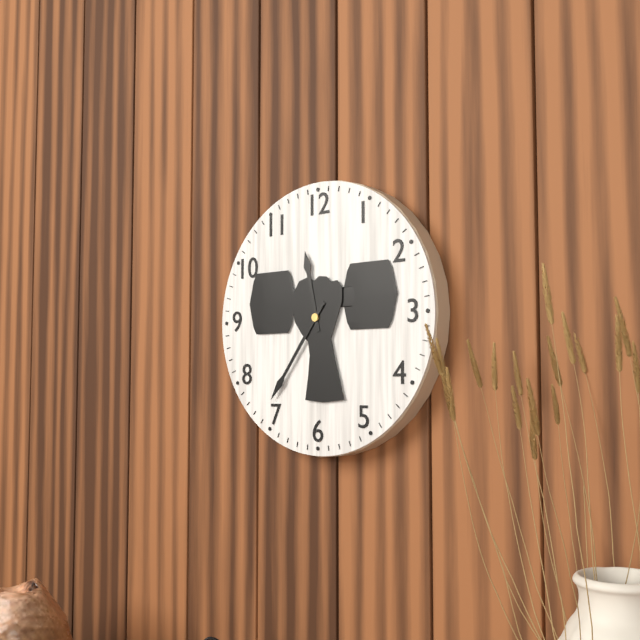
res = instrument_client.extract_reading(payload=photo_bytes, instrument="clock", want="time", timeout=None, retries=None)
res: 11:36
